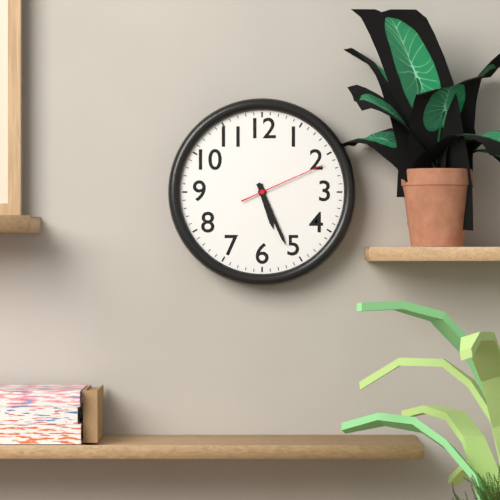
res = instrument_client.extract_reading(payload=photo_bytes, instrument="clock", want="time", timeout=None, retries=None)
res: 5:26:11
